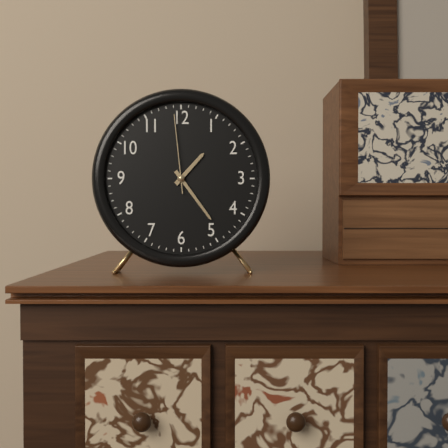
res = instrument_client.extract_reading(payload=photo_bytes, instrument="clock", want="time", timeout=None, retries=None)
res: 1:24:59
